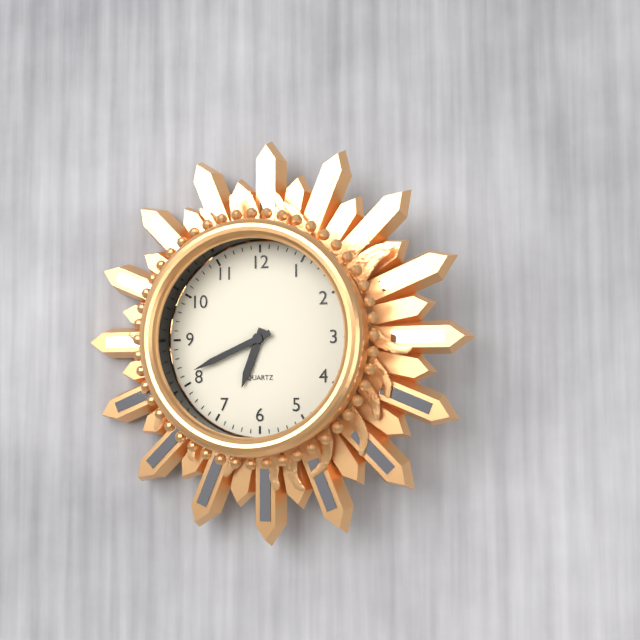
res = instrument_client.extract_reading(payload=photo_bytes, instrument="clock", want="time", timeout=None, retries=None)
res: 6:41
